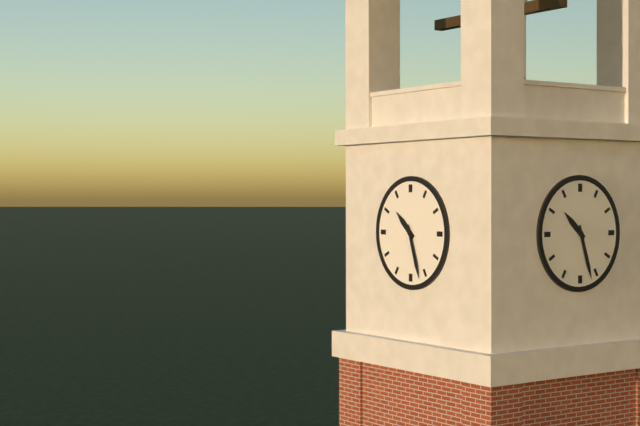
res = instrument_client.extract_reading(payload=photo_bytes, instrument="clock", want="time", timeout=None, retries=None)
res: 10:27
